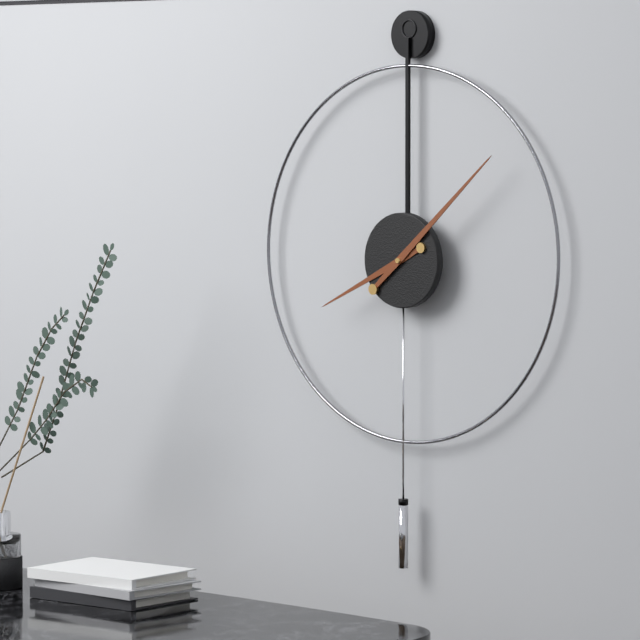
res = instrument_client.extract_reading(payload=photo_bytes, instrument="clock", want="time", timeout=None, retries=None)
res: 8:08
